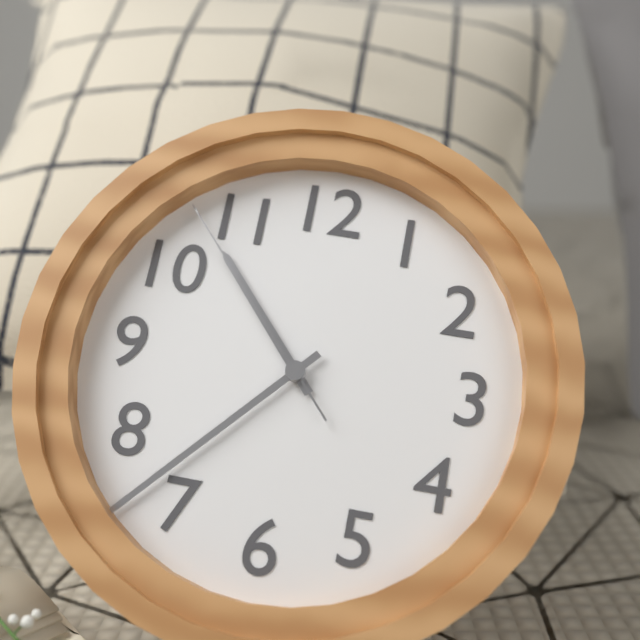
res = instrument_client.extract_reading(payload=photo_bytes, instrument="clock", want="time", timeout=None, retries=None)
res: 10:37:53
